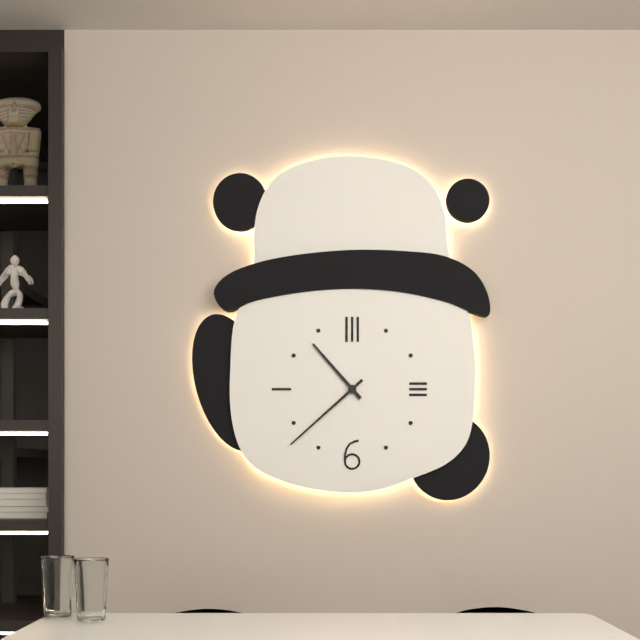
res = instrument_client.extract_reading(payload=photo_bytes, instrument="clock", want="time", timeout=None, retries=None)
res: 10:38
